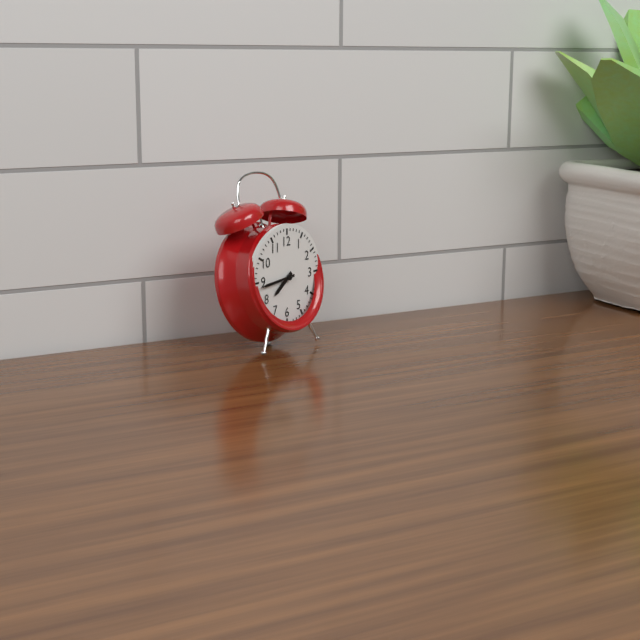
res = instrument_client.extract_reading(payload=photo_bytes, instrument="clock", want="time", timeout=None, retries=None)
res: 7:44
